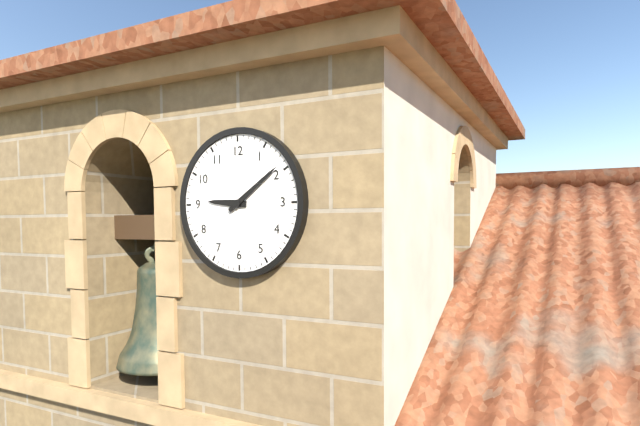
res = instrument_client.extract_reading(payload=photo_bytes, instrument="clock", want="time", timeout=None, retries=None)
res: 9:09
